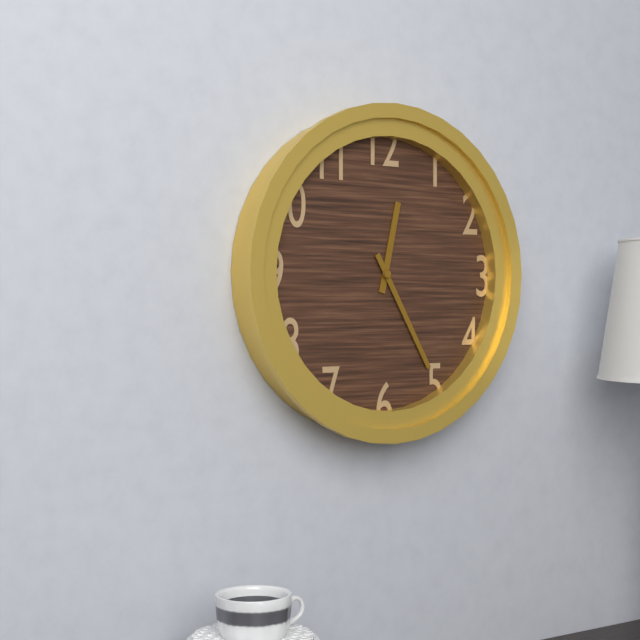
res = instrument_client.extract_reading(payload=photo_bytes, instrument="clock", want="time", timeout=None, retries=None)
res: 12:25
